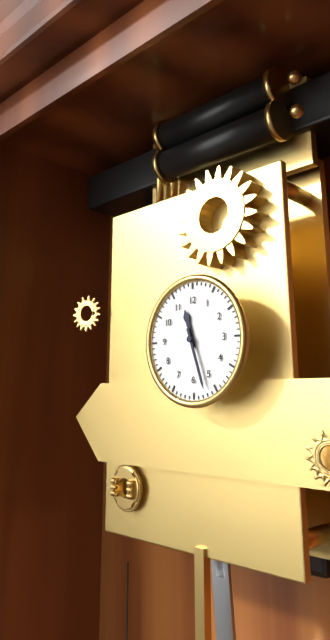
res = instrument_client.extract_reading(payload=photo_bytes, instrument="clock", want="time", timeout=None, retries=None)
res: 11:27
